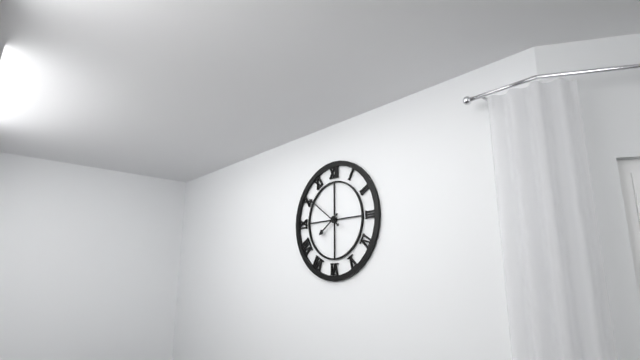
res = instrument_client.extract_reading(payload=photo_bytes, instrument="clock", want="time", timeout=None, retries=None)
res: 7:51
